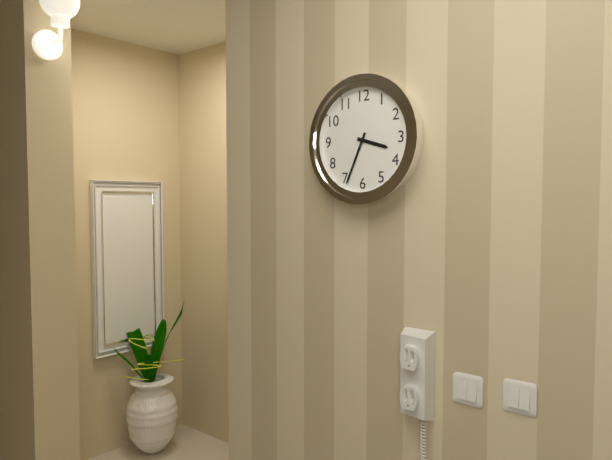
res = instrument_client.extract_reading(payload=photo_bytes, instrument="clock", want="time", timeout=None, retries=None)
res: 3:34
